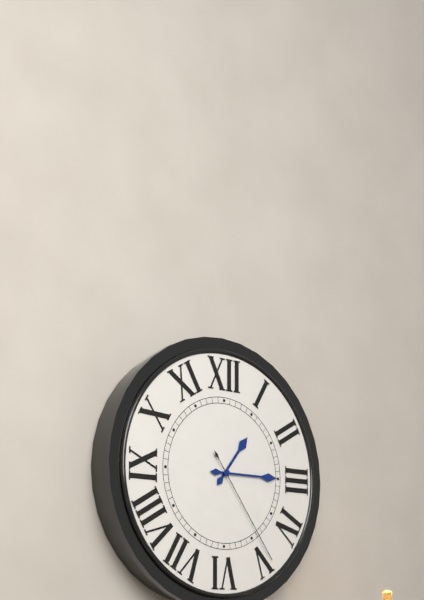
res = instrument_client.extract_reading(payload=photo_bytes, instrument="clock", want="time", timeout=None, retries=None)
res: 1:15:24
